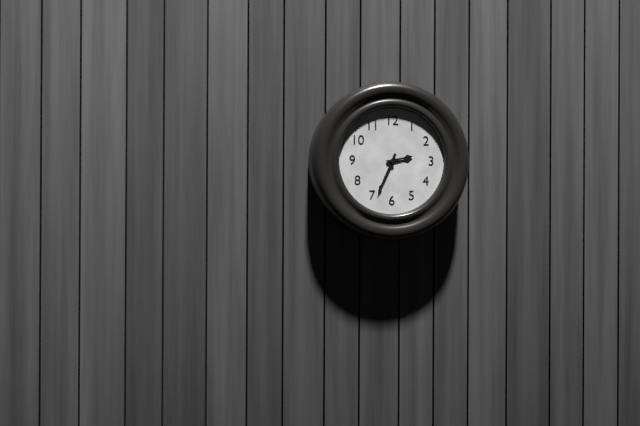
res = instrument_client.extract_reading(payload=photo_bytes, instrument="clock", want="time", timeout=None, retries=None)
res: 2:34
